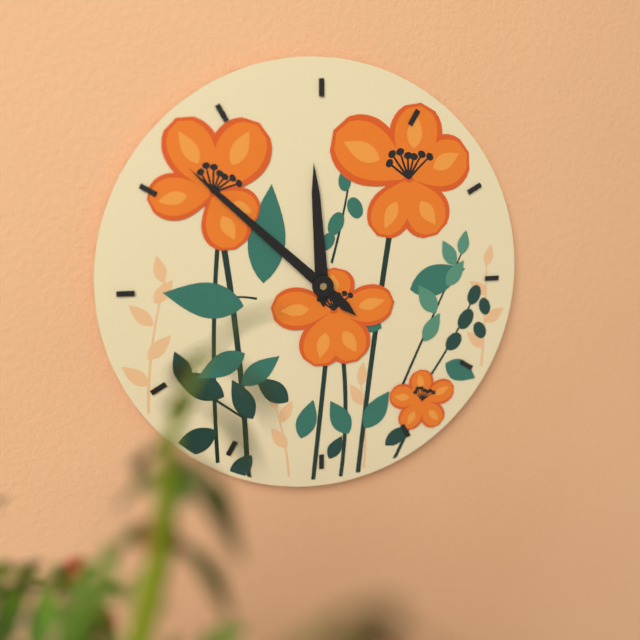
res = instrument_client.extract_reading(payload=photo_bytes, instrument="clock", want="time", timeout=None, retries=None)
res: 11:52
